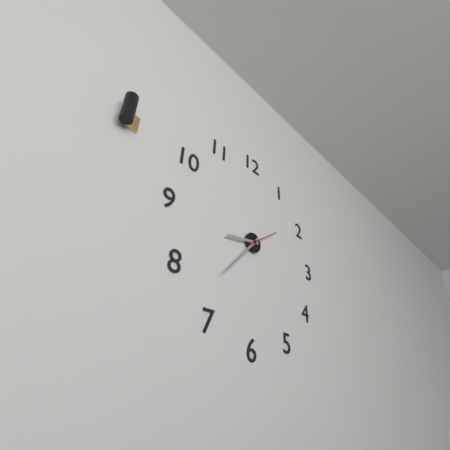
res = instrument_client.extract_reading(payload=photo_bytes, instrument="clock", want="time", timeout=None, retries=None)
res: 8:37
